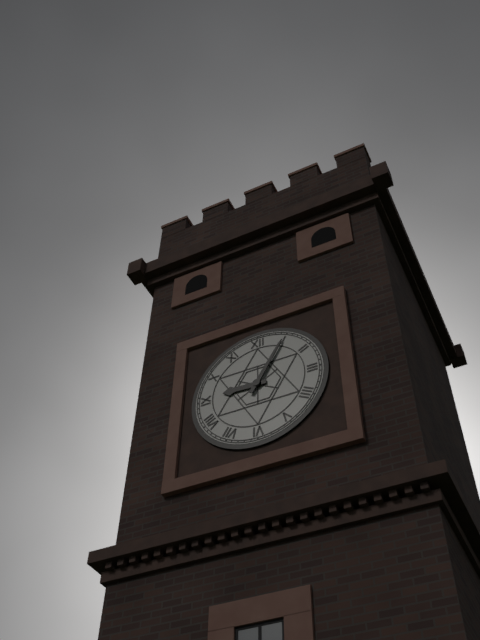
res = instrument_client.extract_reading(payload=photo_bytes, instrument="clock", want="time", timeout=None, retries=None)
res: 9:05
